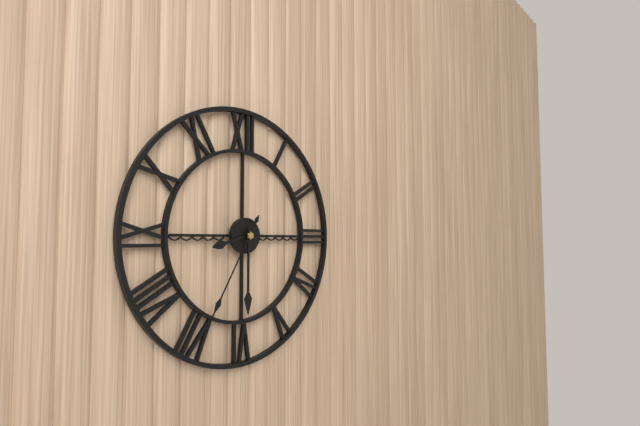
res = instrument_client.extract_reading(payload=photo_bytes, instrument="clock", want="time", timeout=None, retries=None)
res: 8:30:35
